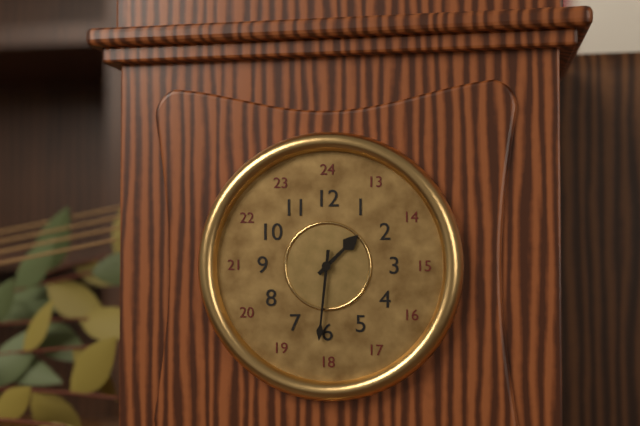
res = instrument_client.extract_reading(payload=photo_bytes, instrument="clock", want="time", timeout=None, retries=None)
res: 1:31
